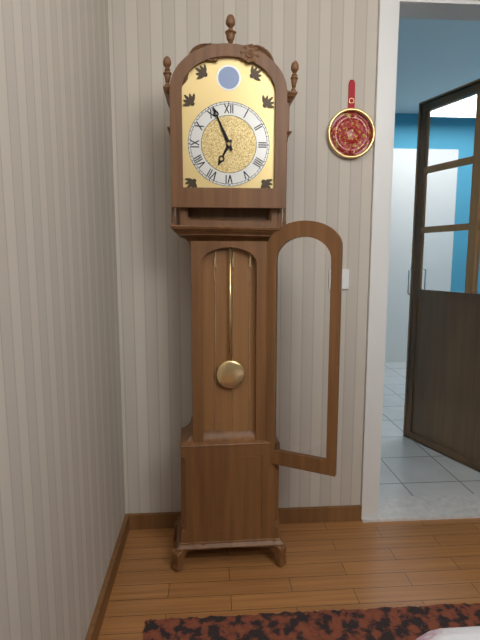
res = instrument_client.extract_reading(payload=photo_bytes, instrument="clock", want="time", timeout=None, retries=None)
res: 6:56
